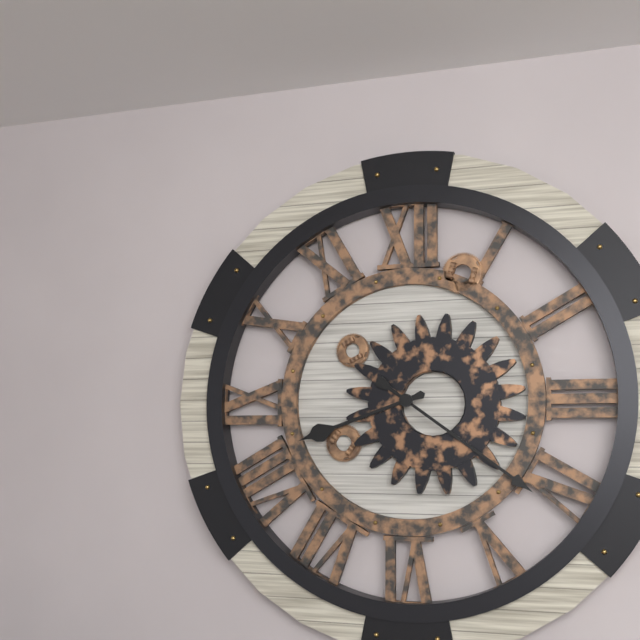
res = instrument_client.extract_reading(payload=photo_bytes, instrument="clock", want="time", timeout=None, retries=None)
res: 8:21
